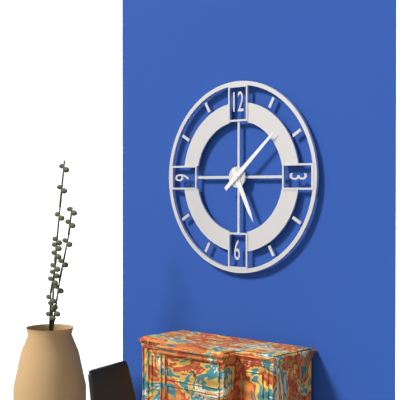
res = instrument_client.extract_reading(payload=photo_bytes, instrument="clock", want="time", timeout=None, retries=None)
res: 5:08
